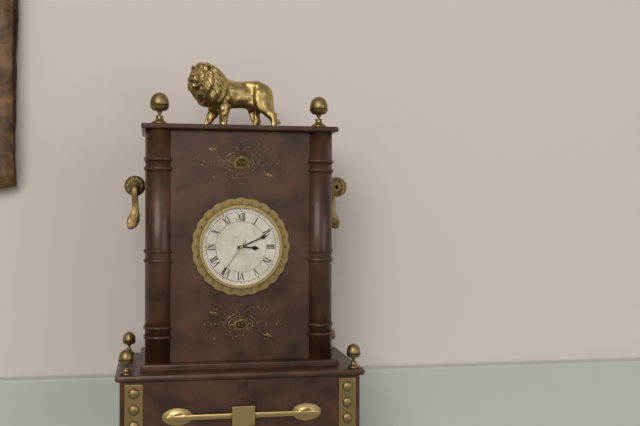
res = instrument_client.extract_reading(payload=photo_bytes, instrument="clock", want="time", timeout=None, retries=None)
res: 3:11
